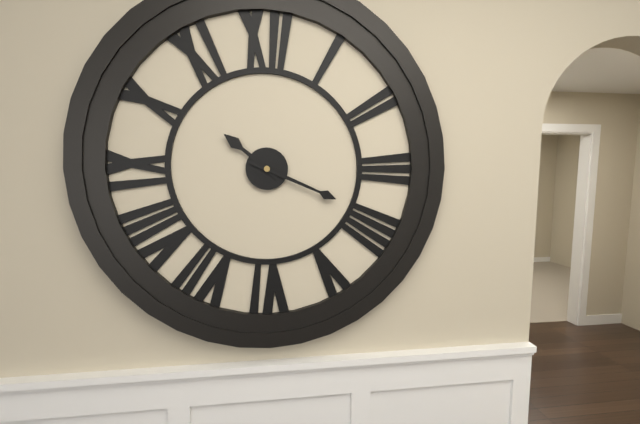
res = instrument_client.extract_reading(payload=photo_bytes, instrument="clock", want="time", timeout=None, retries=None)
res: 10:19
